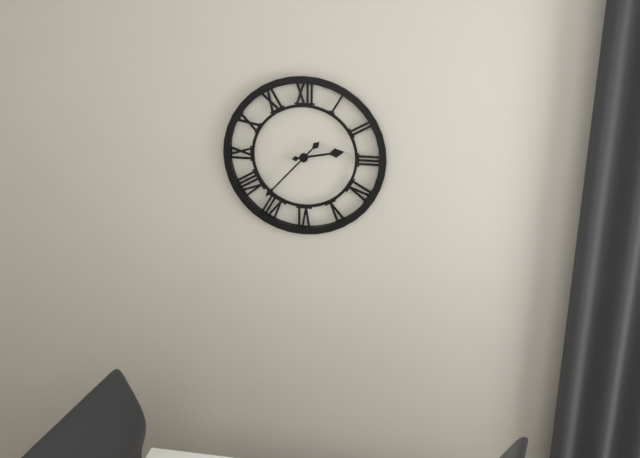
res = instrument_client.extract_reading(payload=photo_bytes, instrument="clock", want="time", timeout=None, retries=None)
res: 2:37
